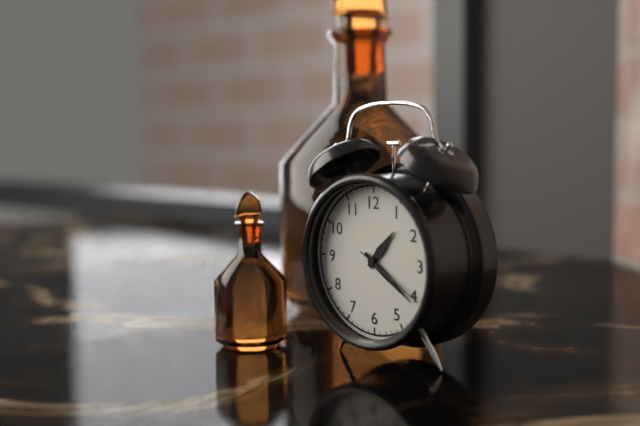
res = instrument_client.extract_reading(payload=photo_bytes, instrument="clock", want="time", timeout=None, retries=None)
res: 1:21:20
